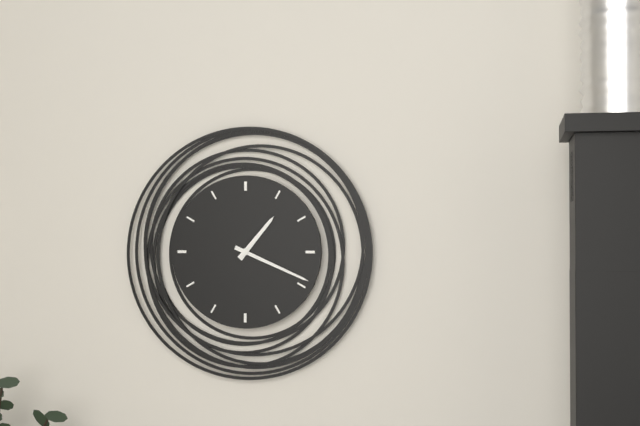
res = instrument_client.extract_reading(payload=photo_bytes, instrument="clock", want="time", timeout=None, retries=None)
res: 1:19
